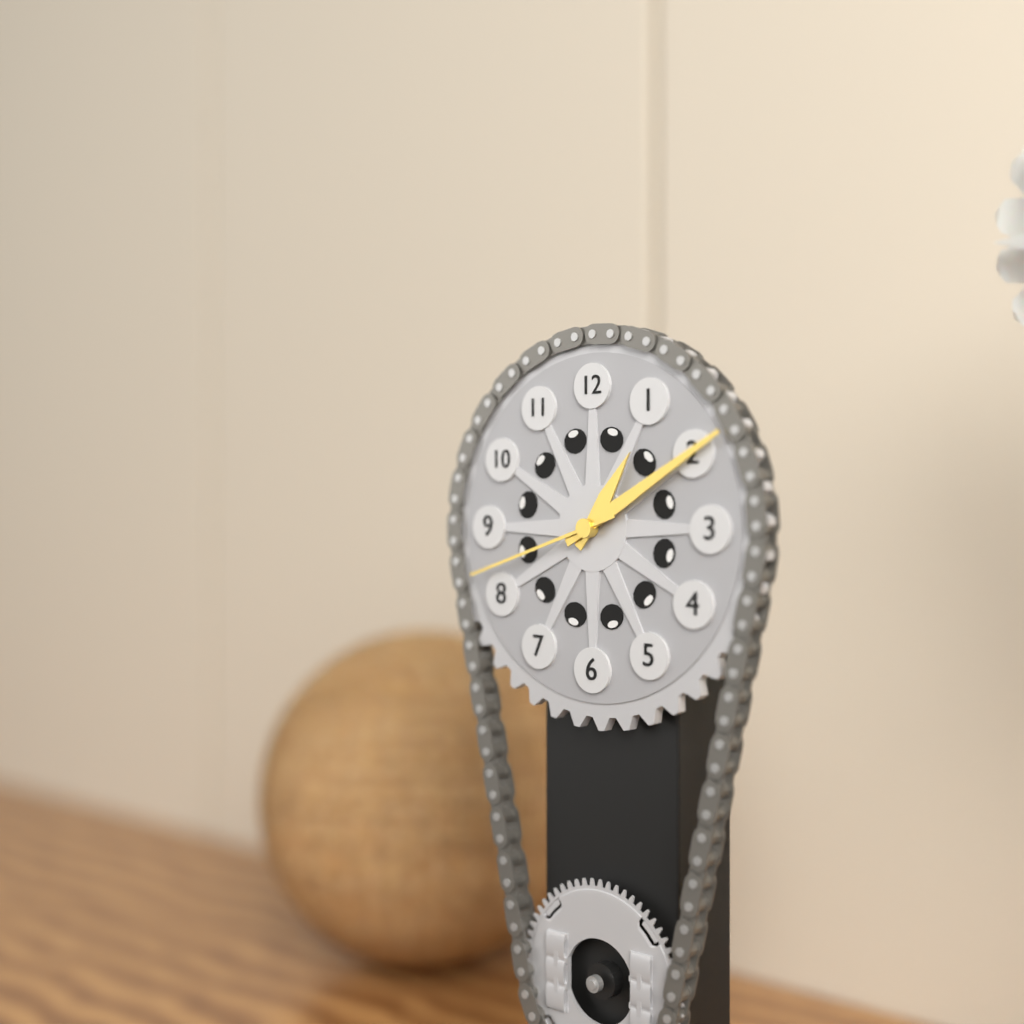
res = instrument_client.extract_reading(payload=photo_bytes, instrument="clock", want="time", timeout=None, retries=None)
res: 1:10:42
